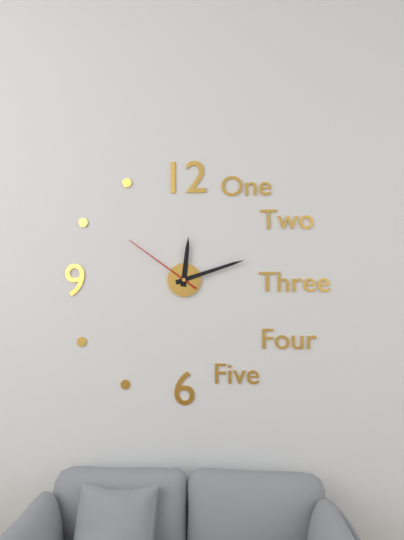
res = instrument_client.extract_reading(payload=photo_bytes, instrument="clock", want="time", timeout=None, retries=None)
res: 12:12:51
